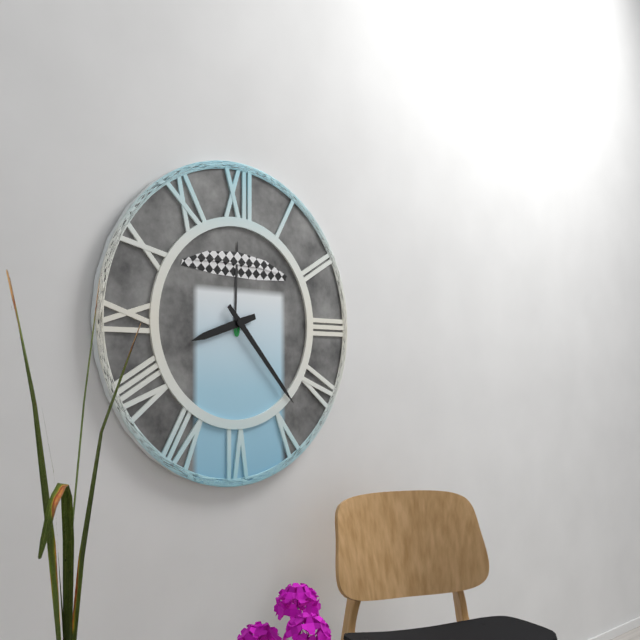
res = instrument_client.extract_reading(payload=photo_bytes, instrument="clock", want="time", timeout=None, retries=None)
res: 8:23
